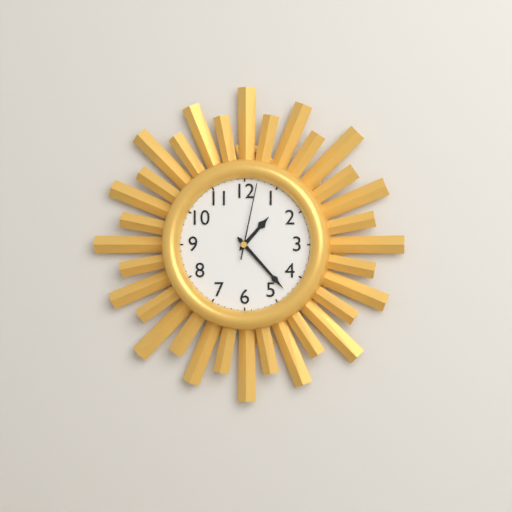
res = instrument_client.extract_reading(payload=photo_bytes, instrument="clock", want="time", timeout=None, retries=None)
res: 1:23:02
